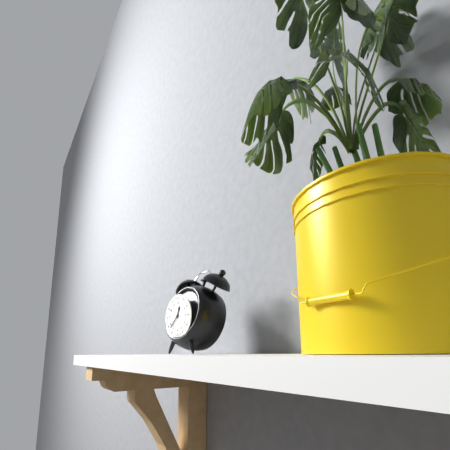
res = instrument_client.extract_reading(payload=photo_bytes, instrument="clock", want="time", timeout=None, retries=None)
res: 12:38
